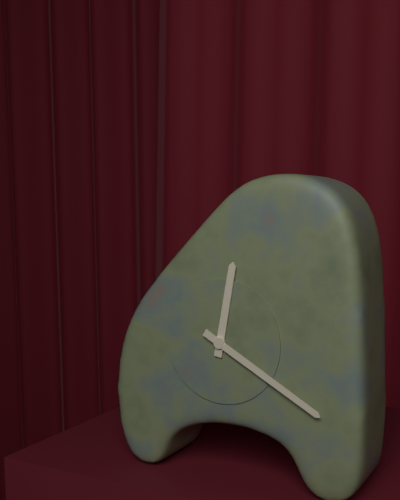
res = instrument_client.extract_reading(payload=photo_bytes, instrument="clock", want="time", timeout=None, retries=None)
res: 12:20
